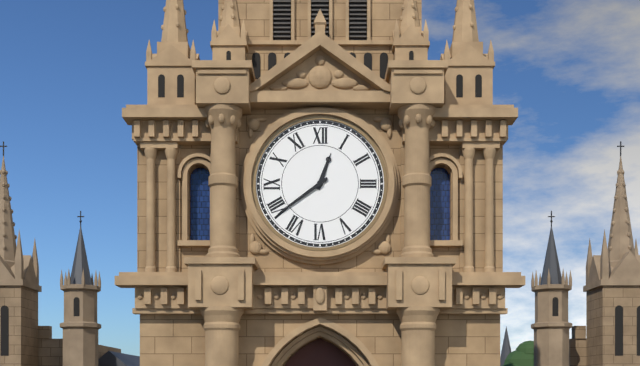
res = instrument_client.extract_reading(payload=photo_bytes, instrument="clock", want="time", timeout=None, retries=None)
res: 12:39
